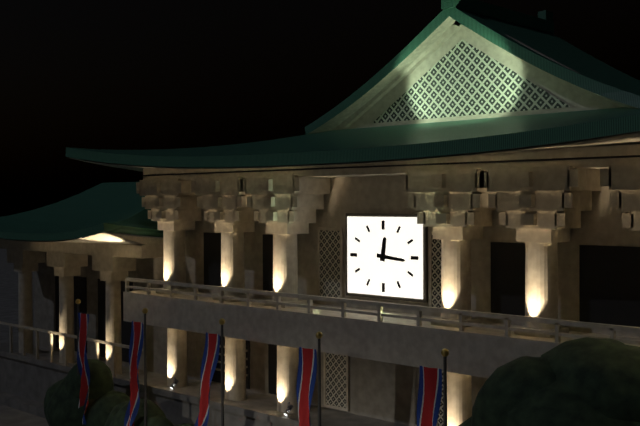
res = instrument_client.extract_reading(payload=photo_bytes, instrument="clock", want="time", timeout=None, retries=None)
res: 12:16
